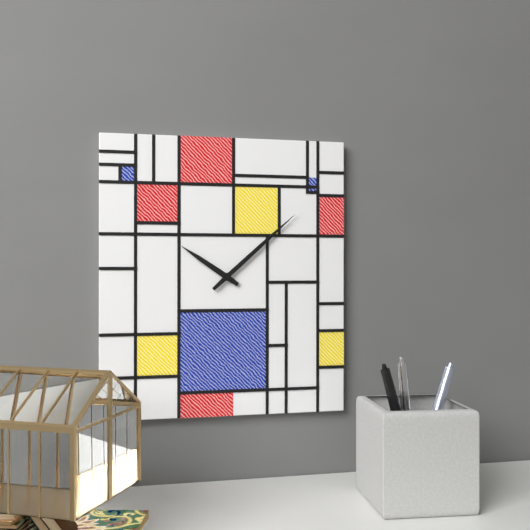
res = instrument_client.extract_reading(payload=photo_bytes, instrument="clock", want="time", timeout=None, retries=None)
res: 10:08
